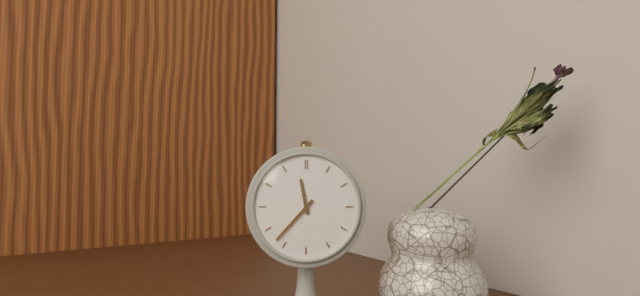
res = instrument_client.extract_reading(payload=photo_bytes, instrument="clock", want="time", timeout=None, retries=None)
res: 11:37
